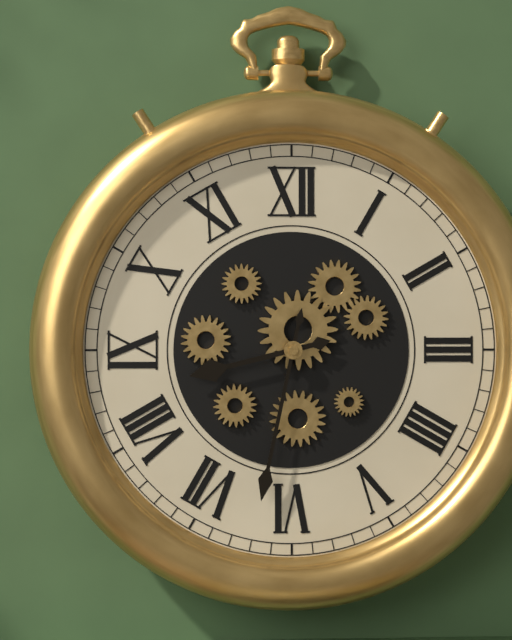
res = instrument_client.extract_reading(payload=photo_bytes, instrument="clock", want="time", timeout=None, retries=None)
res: 8:32
